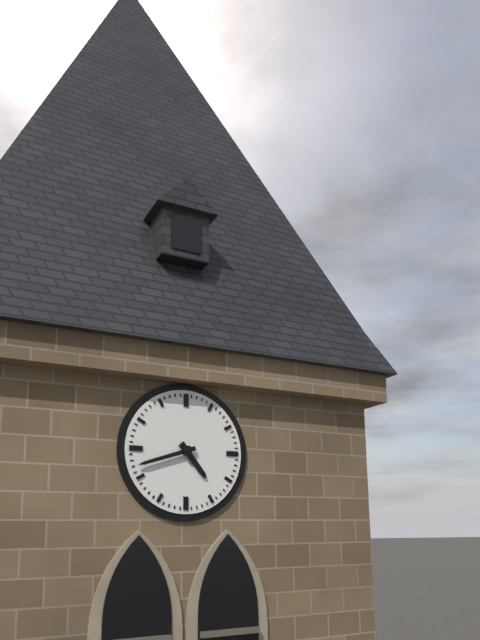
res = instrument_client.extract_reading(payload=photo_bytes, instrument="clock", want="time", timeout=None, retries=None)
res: 4:42
